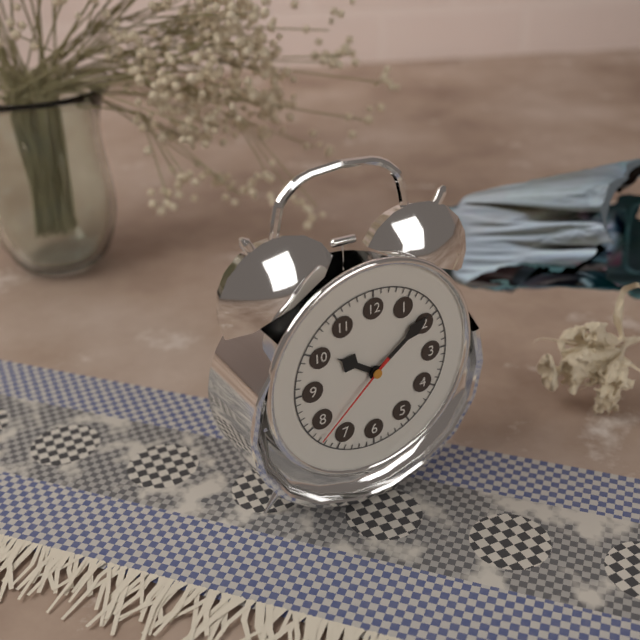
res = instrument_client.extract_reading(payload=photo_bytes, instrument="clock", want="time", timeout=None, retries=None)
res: 10:09:38
